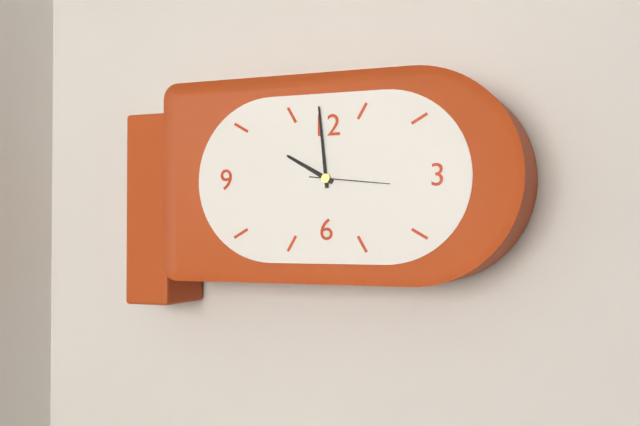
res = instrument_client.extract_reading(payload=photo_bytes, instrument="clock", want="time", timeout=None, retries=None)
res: 9:59:16
